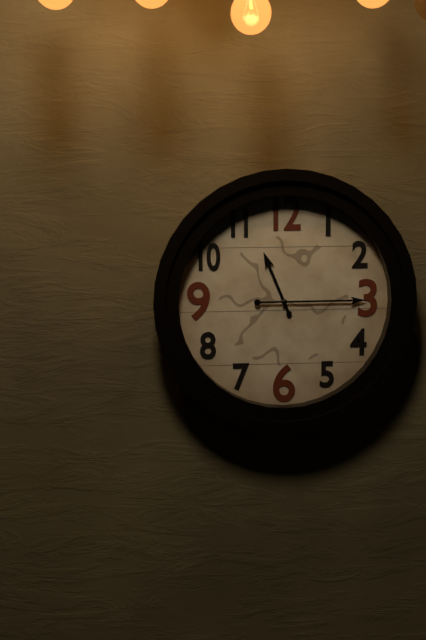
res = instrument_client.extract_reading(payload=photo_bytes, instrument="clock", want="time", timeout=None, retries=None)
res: 11:15
